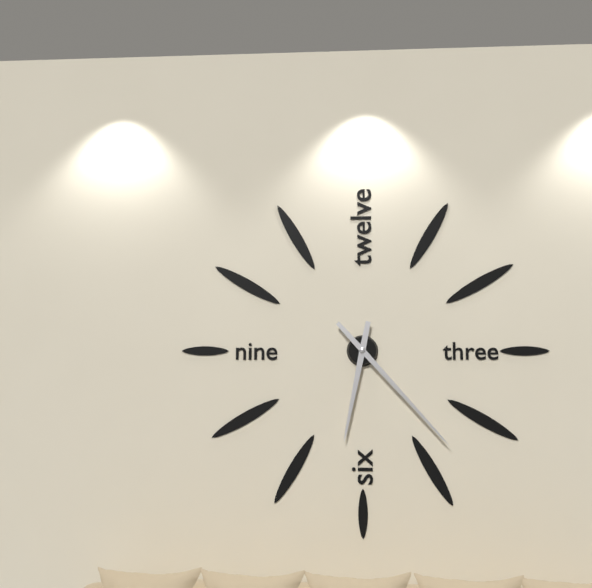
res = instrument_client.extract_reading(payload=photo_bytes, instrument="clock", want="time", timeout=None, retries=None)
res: 6:23
